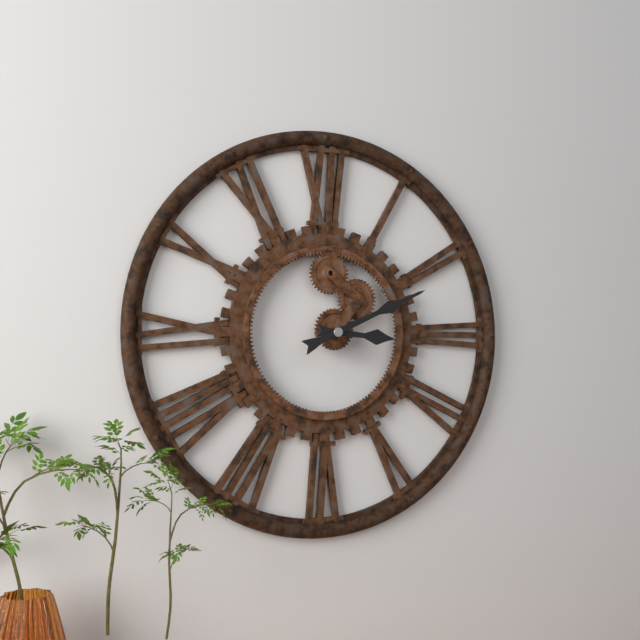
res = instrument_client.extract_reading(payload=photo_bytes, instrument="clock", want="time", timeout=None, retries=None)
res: 3:11
